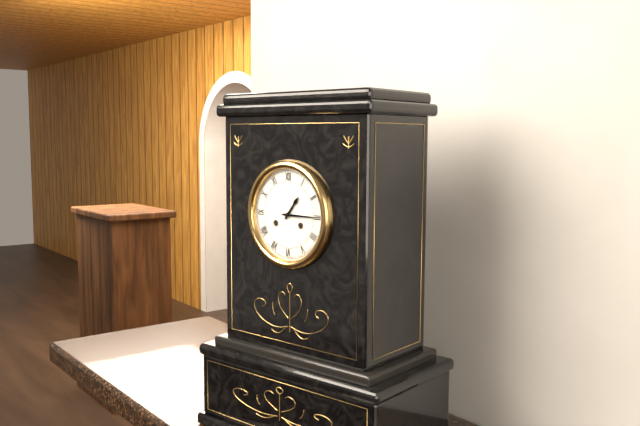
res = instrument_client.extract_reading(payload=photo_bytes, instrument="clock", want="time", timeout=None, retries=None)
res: 1:15
